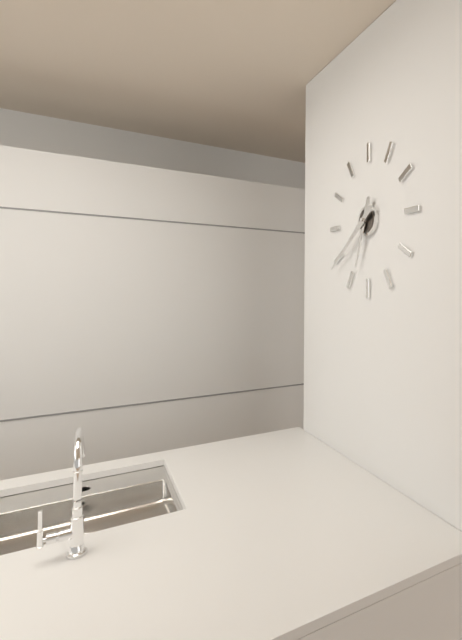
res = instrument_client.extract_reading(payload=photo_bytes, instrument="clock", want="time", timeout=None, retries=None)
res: 6:39
